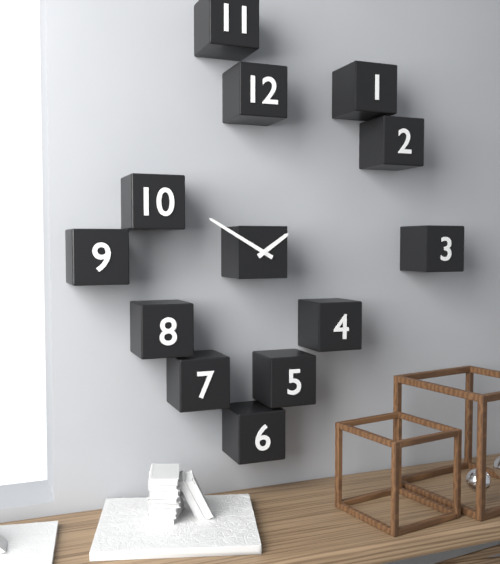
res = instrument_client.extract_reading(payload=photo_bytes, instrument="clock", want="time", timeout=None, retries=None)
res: 1:50
